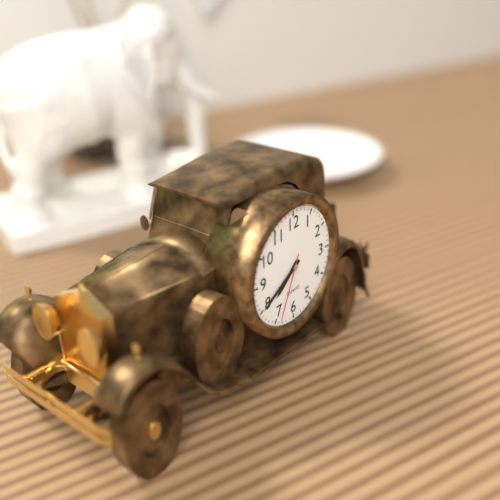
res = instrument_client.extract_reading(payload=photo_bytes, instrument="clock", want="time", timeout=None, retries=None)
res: 7:40:34
